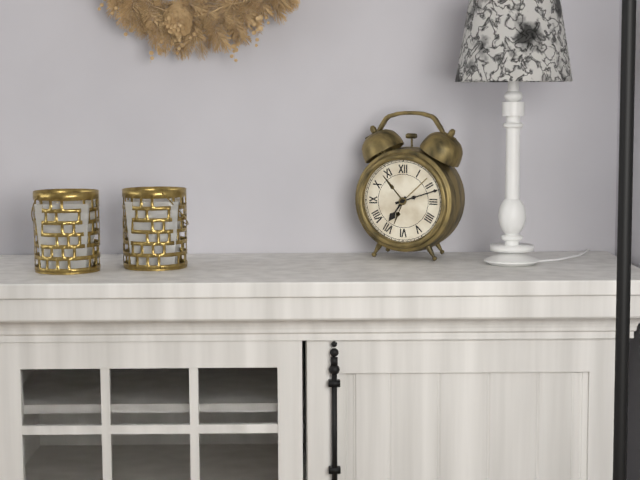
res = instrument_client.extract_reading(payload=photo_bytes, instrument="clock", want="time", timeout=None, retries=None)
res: 7:12
